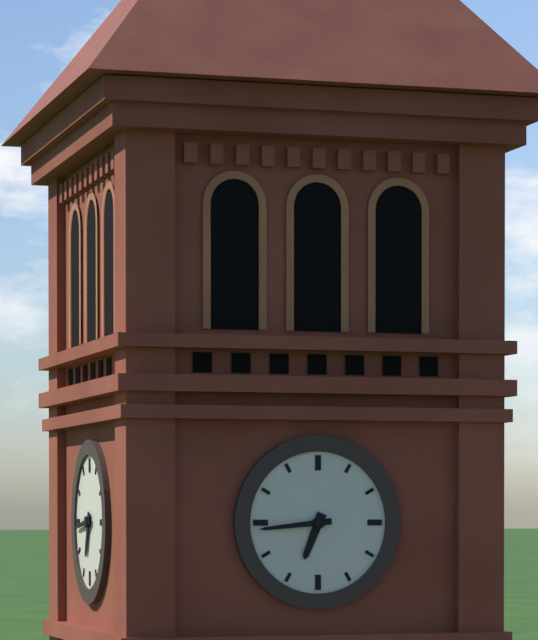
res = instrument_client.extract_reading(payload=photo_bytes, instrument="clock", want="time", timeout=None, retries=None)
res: 6:44
